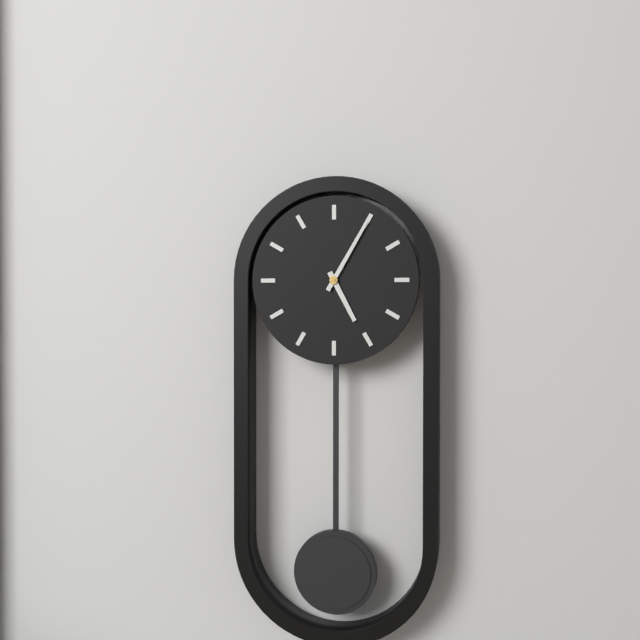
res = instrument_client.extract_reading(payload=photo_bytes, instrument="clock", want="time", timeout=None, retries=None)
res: 5:05
